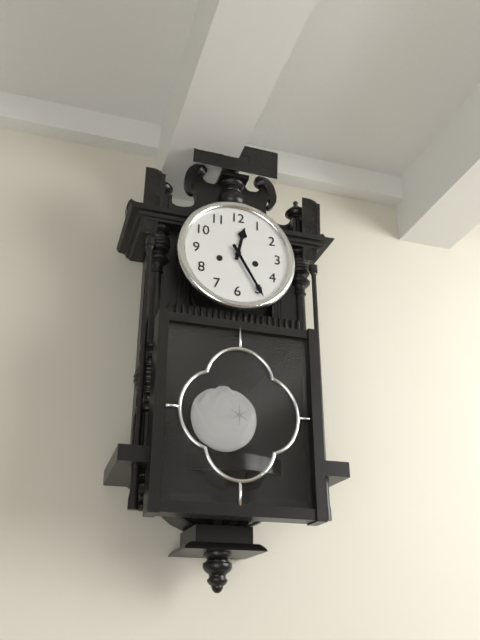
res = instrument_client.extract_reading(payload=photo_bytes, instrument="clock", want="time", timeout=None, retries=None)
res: 12:25
